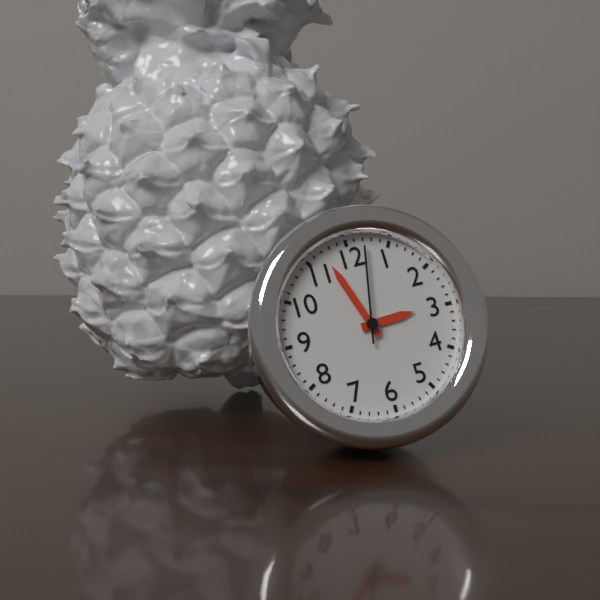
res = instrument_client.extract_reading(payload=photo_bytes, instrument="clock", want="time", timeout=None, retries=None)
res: 2:57:02
